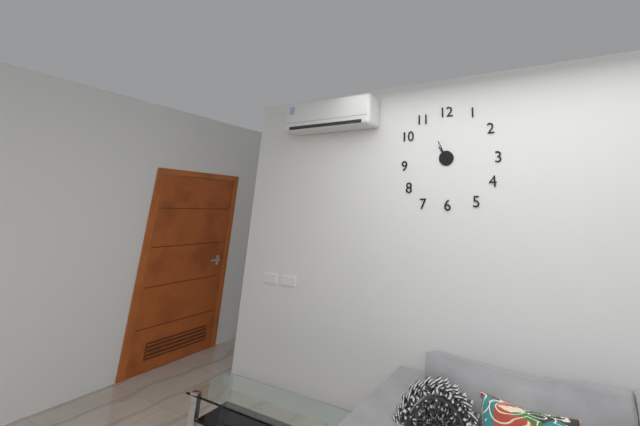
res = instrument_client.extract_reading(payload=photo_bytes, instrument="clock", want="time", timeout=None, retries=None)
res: 10:56
